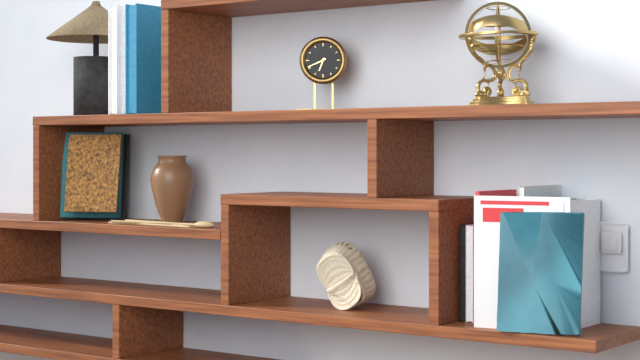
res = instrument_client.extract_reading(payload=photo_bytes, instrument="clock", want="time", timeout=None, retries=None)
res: 6:41
